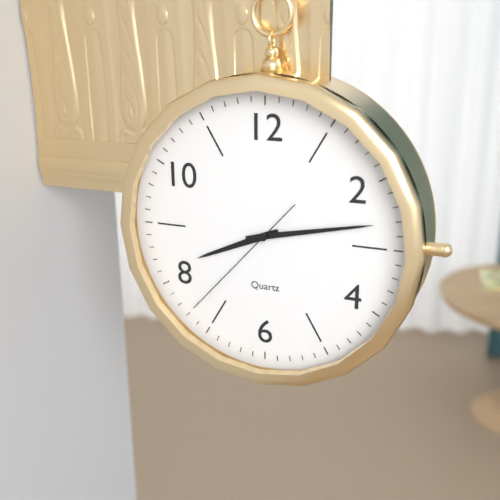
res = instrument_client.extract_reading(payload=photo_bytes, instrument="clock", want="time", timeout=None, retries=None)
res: 8:13:37
